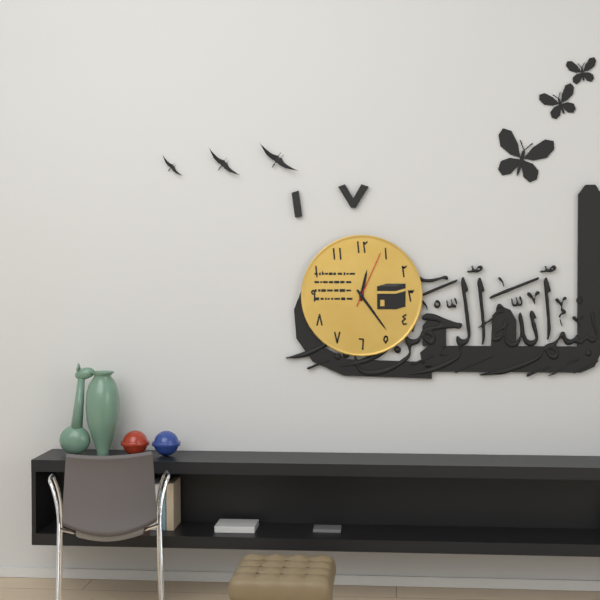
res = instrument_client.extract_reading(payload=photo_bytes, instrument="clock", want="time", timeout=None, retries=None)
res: 12:24:04
